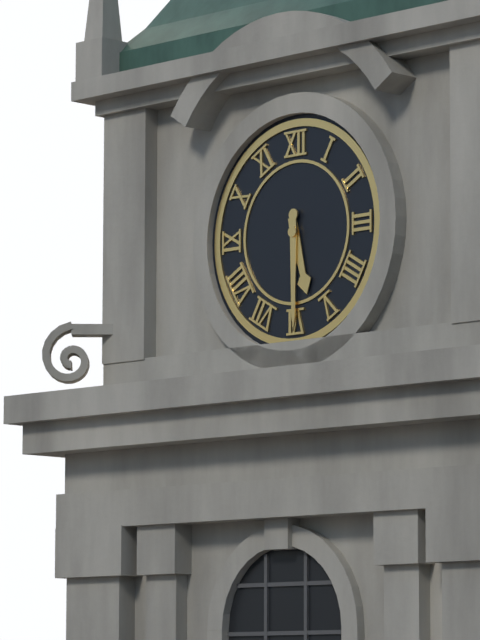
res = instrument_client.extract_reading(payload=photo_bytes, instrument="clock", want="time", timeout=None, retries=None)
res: 5:30
